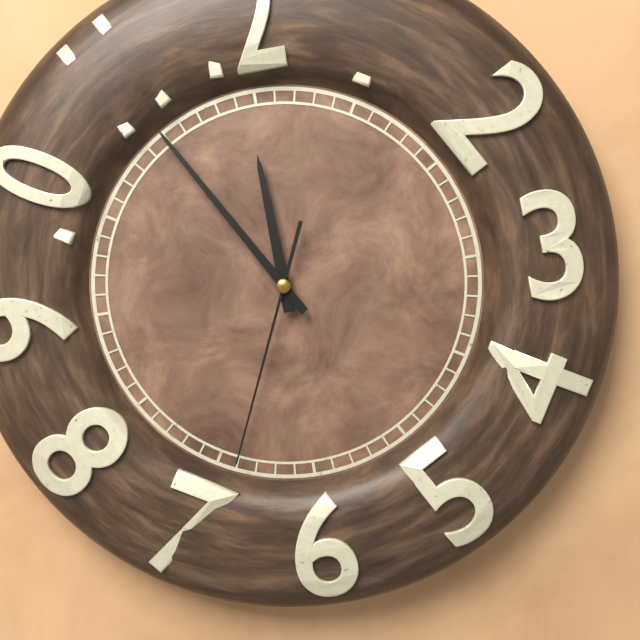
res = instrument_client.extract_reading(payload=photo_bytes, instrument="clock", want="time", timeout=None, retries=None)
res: 11:55:34
